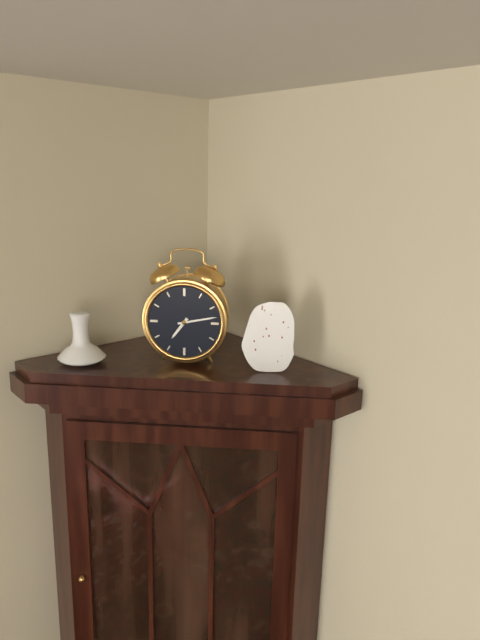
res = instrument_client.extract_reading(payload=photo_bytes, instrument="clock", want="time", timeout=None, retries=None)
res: 7:13
